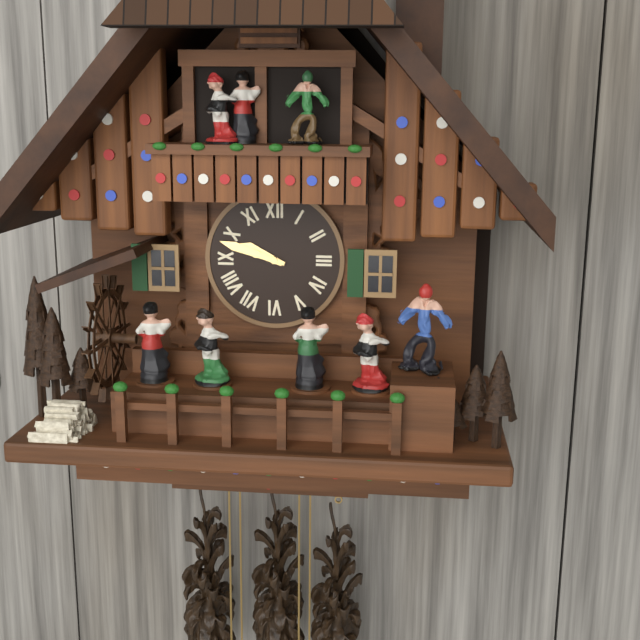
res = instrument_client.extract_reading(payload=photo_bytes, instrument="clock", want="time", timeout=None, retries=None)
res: 9:48
